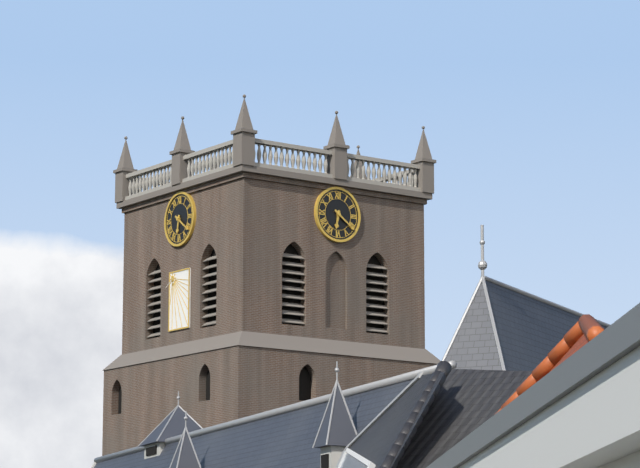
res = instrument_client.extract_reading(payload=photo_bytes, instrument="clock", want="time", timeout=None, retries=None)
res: 6:21
